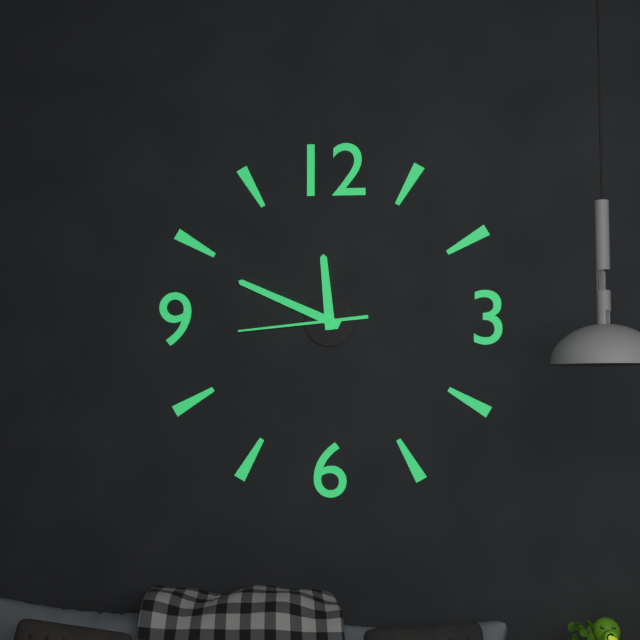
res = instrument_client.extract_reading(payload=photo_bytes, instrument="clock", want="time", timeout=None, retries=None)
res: 11:49:44
